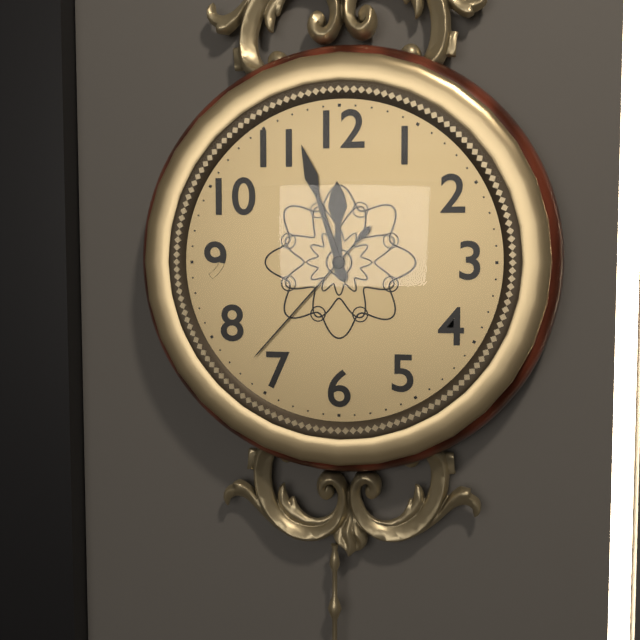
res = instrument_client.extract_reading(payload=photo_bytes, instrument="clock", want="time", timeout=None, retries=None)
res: 11:57:37
